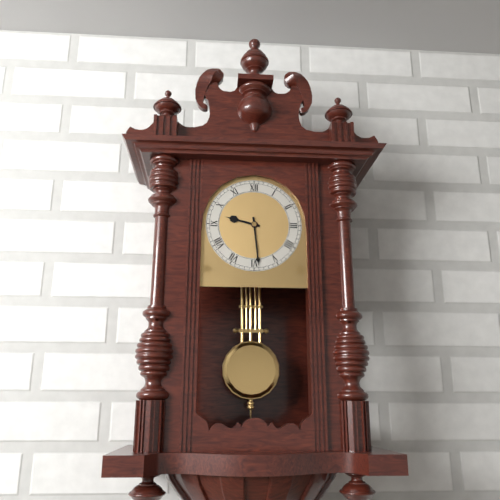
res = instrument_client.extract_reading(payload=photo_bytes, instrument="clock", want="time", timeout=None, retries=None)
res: 9:29
